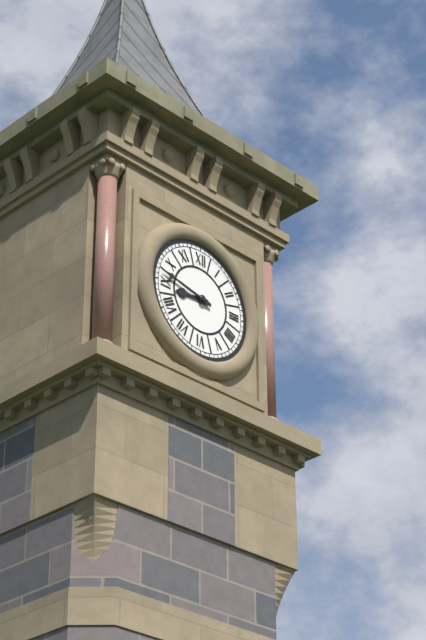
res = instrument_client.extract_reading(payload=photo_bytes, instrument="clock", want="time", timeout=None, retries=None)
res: 8:47
